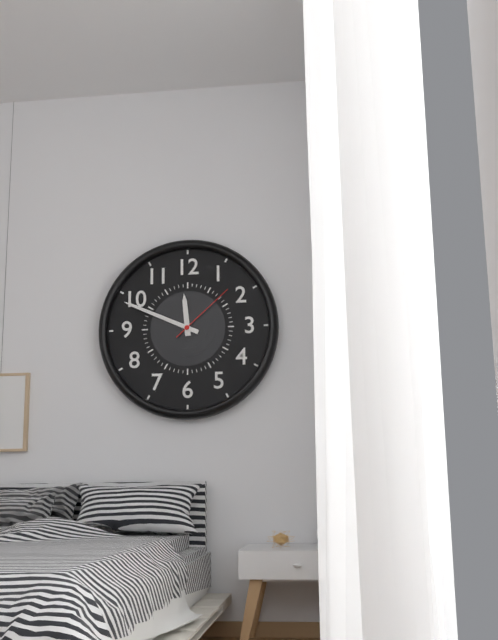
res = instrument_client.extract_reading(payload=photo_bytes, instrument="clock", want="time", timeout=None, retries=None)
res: 11:49:08
